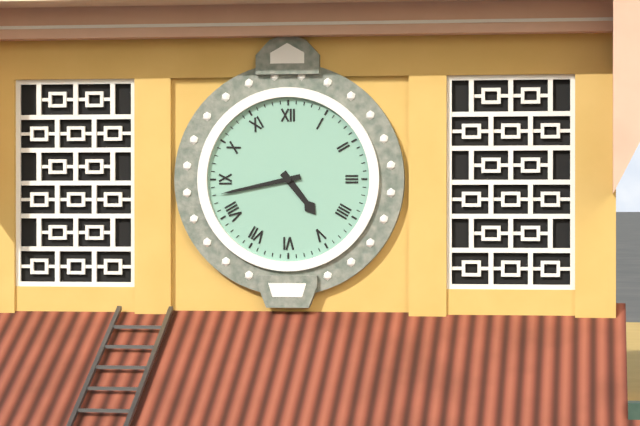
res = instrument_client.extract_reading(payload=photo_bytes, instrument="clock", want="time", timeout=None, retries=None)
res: 4:43
